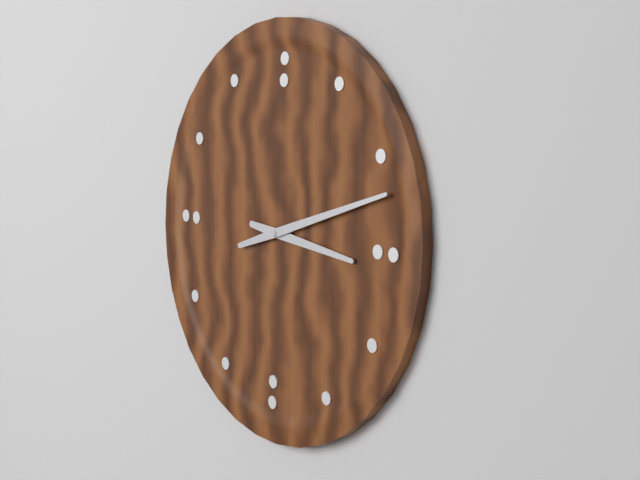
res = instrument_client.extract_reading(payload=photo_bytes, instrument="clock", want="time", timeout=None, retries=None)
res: 3:12
